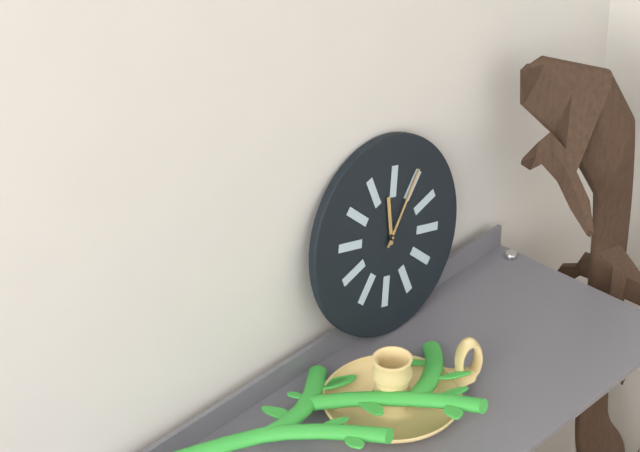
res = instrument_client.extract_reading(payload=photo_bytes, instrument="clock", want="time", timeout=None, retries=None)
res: 12:07
